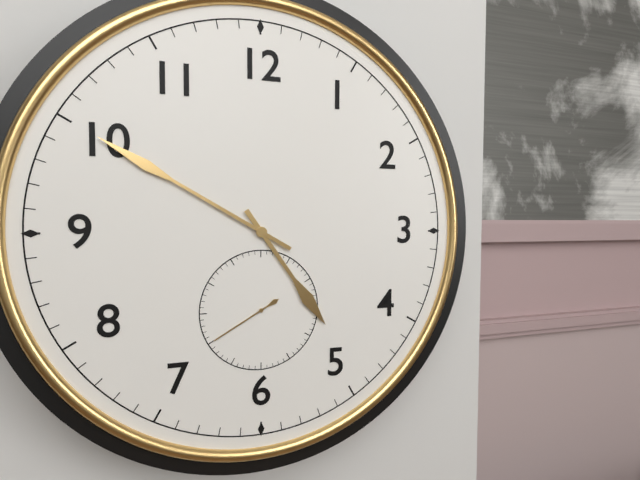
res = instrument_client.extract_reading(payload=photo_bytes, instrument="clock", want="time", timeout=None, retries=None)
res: 4:50:40
